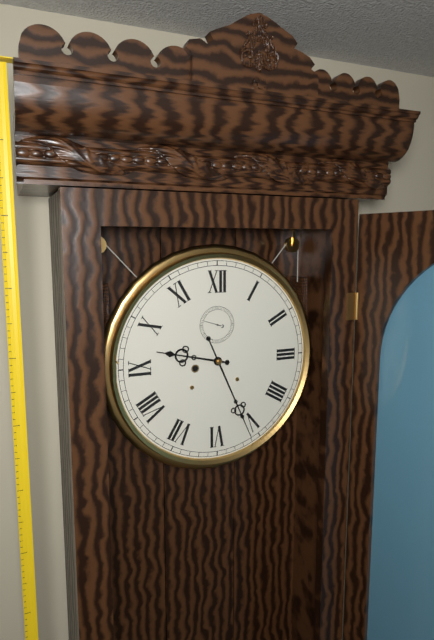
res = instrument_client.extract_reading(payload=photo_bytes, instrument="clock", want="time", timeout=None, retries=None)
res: 9:26
